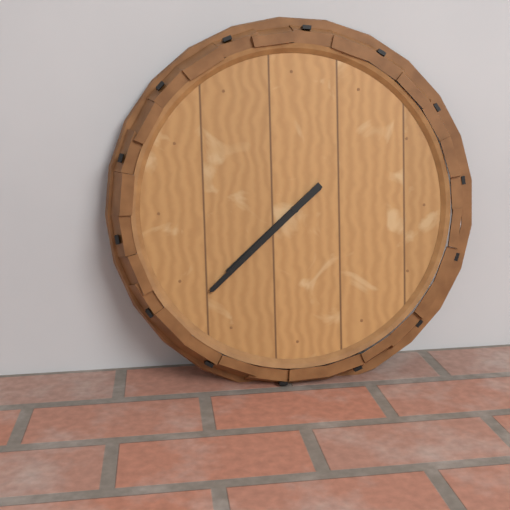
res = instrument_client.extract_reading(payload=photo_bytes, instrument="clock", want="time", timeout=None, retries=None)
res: 7:38
